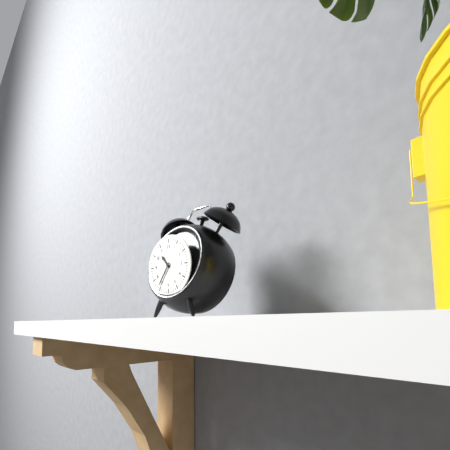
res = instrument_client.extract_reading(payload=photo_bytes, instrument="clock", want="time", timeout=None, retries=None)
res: 10:36
